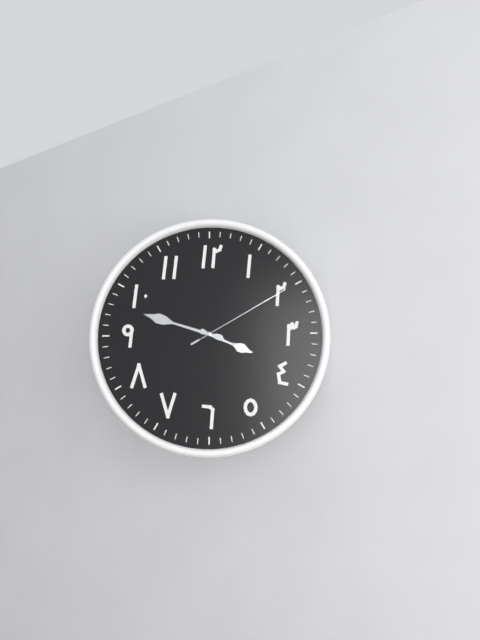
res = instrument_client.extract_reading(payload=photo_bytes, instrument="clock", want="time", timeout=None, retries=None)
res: 3:48:10
